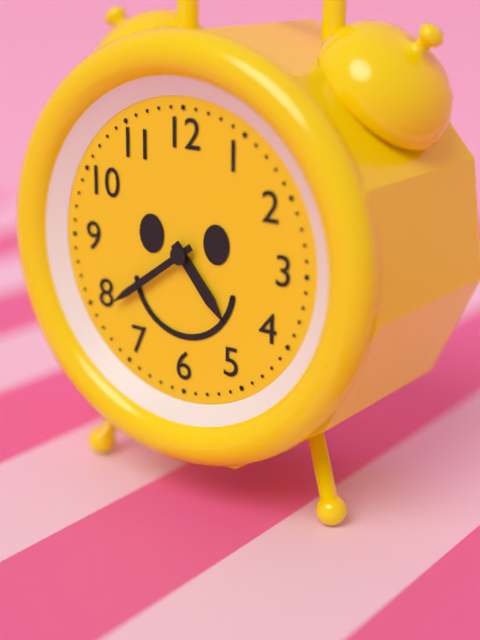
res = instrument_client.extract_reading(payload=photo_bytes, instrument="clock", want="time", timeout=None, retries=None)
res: 4:39
